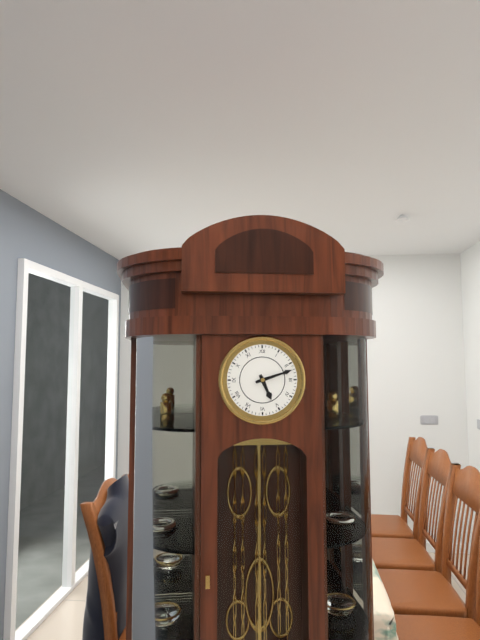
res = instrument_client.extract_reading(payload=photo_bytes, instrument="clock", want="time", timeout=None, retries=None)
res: 5:12
